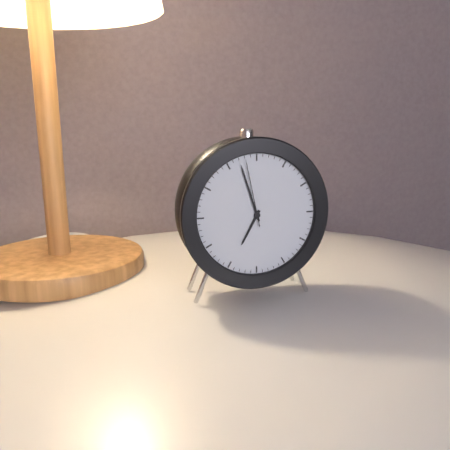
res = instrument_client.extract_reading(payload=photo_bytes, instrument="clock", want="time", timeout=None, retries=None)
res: 6:57:58
